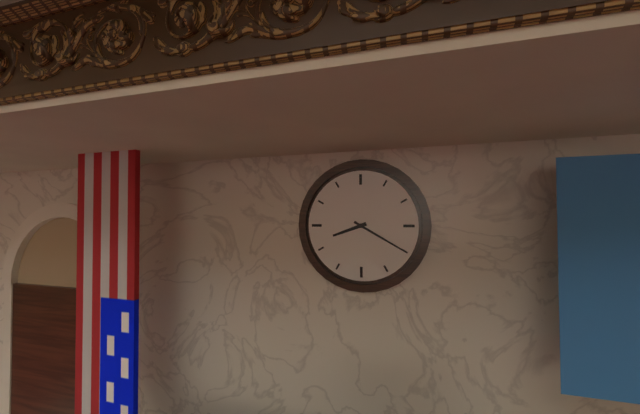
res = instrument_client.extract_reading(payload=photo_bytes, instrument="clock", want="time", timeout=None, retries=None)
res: 8:20
